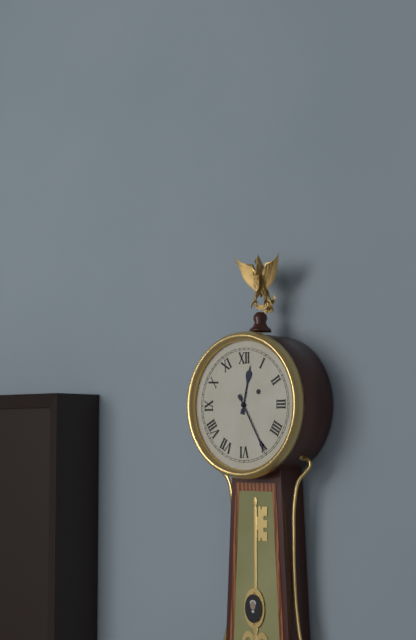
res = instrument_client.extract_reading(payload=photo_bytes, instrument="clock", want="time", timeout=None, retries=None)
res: 12:25
